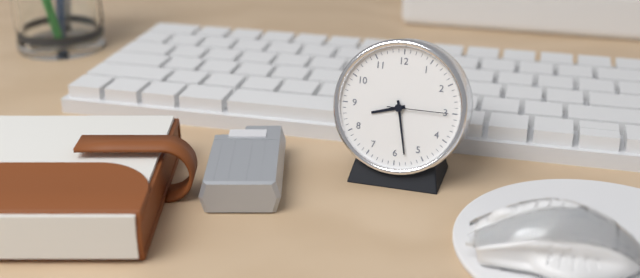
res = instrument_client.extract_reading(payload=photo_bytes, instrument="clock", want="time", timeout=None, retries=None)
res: 8:28:15
